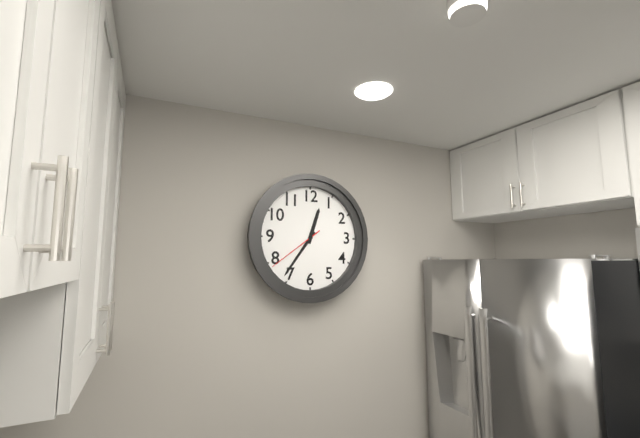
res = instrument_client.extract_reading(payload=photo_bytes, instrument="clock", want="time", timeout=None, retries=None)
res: 12:36:39
